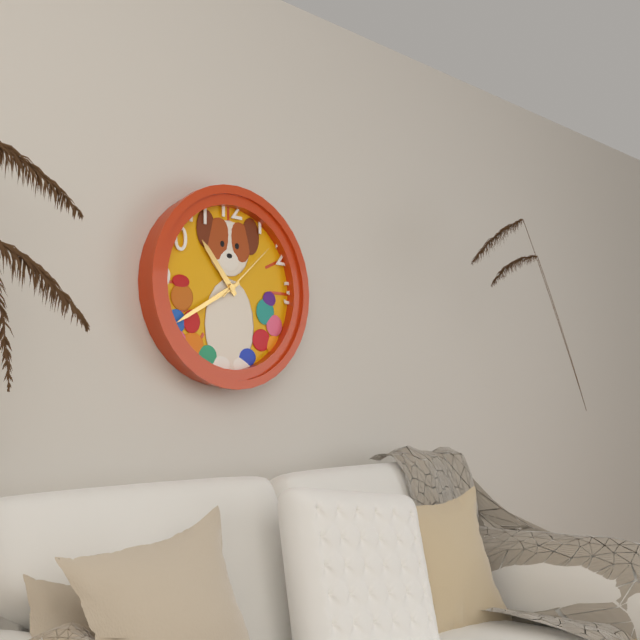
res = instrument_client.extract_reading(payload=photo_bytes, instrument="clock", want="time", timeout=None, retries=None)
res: 10:40:08
